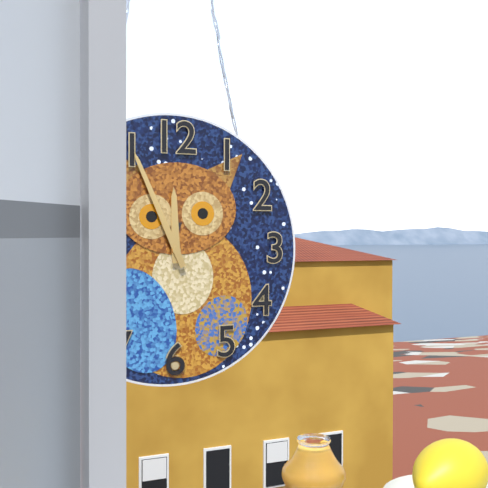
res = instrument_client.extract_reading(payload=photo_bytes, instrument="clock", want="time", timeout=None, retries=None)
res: 11:56
